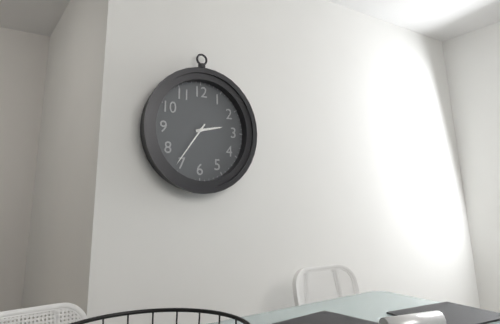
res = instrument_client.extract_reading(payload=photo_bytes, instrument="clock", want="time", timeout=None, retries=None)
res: 2:36
